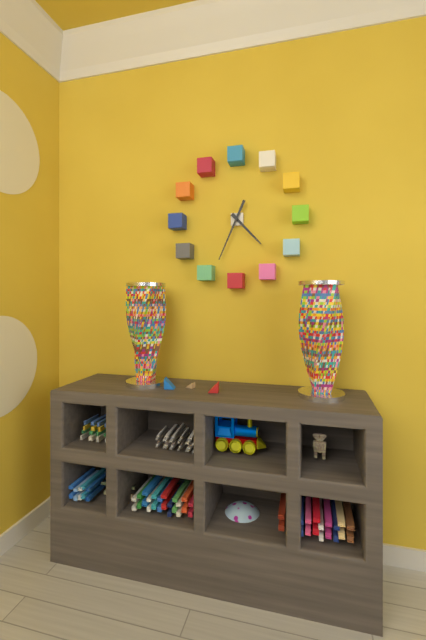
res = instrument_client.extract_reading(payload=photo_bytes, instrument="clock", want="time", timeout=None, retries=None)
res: 4:34
